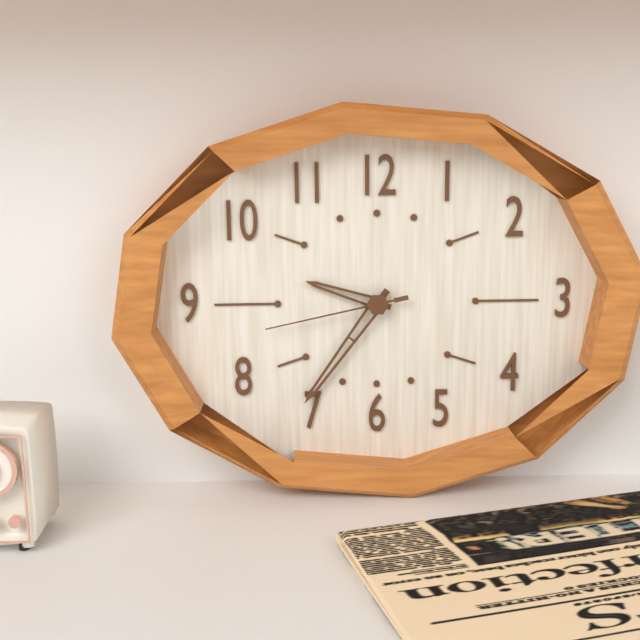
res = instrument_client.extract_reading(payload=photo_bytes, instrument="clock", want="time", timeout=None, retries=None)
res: 9:36:43
